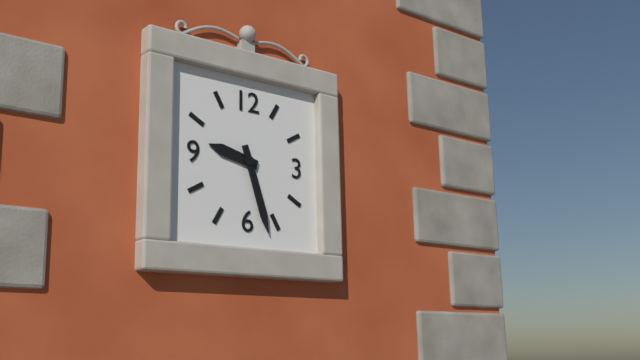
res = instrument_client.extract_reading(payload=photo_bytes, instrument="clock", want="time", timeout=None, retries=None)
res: 9:27
